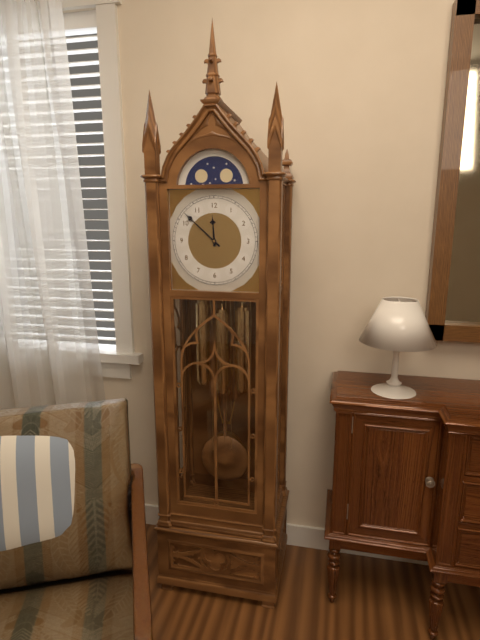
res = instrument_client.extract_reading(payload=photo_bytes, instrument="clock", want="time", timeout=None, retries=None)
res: 11:52
